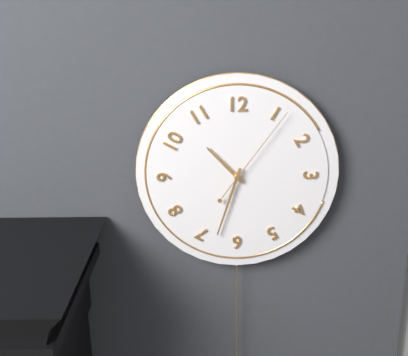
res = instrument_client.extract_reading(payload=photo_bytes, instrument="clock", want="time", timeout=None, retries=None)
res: 10:33:06
